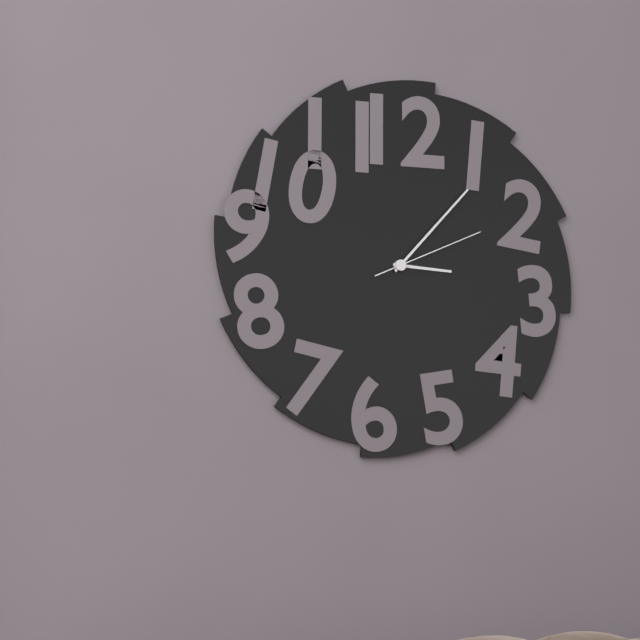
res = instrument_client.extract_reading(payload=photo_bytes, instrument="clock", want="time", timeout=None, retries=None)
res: 3:07:11
